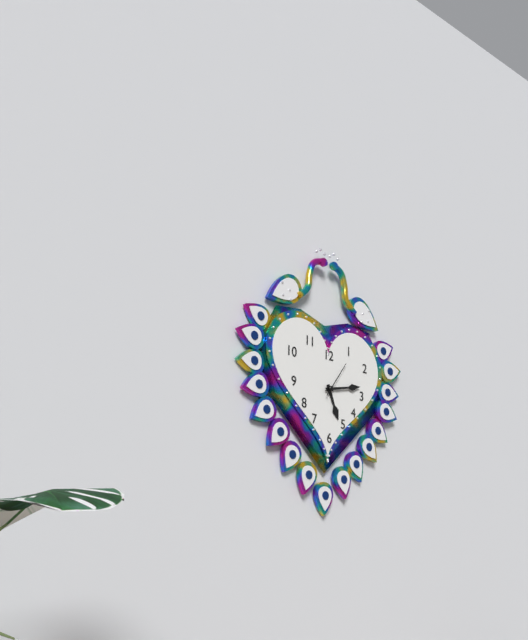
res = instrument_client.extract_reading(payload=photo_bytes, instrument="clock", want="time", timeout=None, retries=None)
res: 5:13
